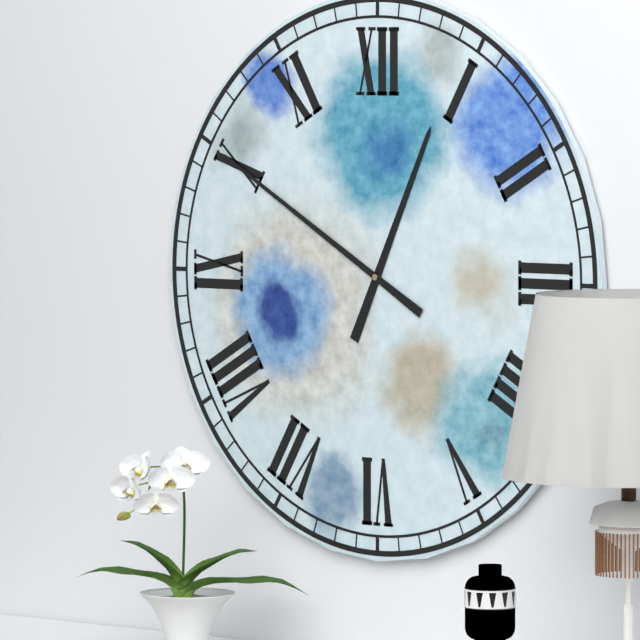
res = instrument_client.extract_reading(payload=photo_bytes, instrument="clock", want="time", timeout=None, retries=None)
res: 12:50
